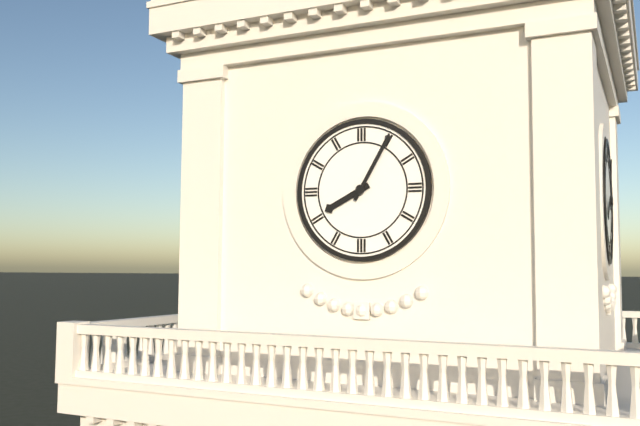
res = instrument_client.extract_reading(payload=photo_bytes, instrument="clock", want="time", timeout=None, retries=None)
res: 8:05
